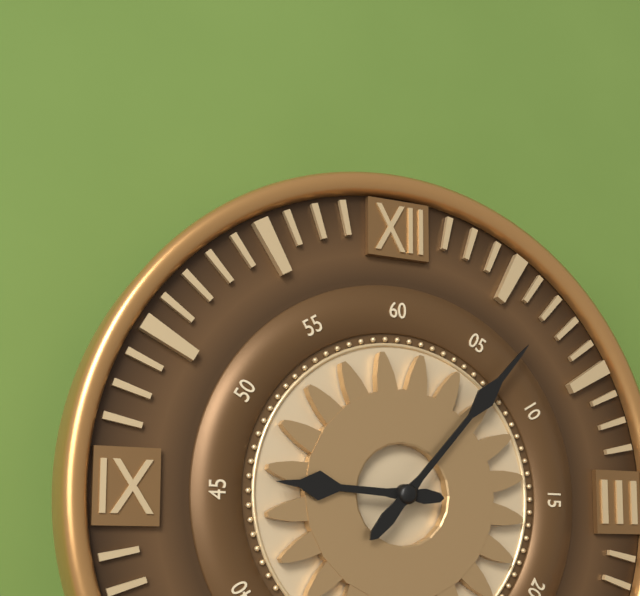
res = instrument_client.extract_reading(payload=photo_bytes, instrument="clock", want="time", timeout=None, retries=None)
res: 9:07
